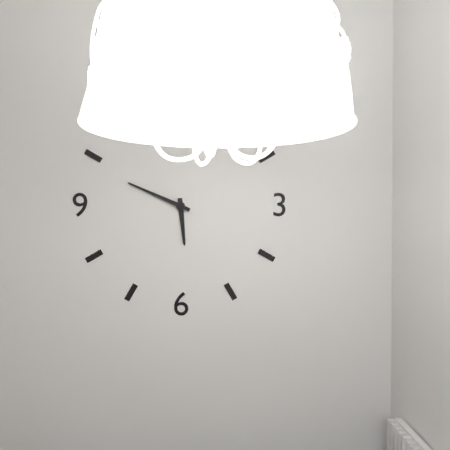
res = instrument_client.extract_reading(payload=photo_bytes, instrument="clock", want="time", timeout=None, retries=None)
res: 5:49
